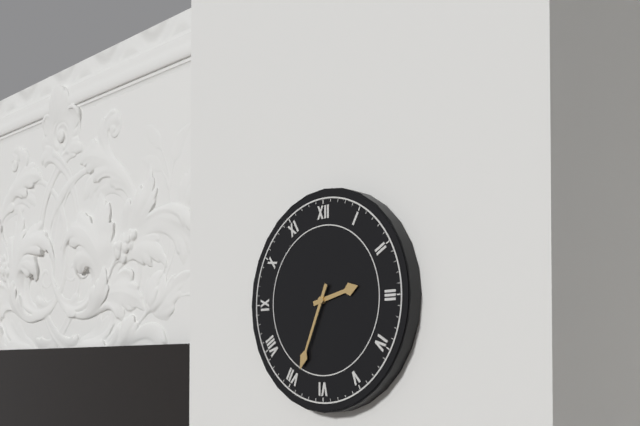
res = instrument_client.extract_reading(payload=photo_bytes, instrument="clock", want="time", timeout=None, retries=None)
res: 2:34
